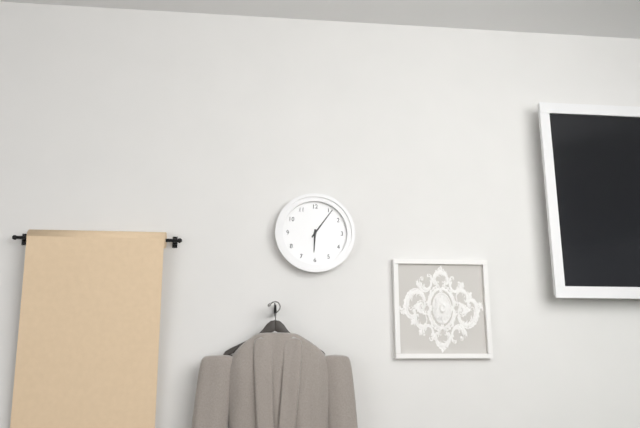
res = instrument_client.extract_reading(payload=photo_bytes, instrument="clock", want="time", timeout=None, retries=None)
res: 6:06
